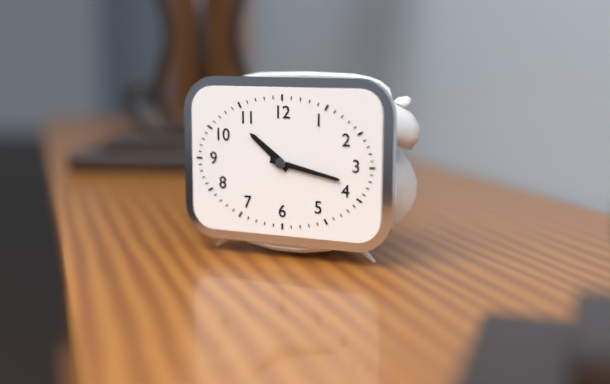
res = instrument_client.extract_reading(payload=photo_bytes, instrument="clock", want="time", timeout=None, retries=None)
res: 10:17
